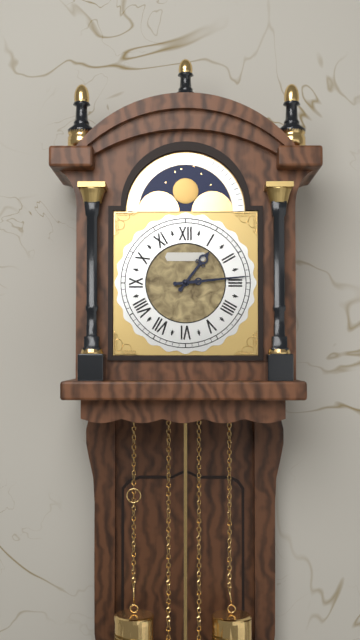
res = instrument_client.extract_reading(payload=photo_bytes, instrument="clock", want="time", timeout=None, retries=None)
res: 1:14
